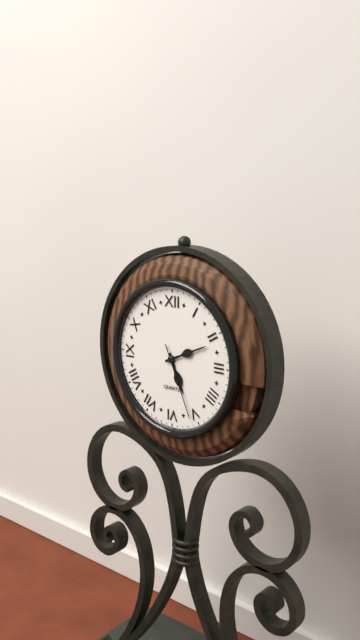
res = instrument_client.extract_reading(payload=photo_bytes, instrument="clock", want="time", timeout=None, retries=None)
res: 5:11:26
